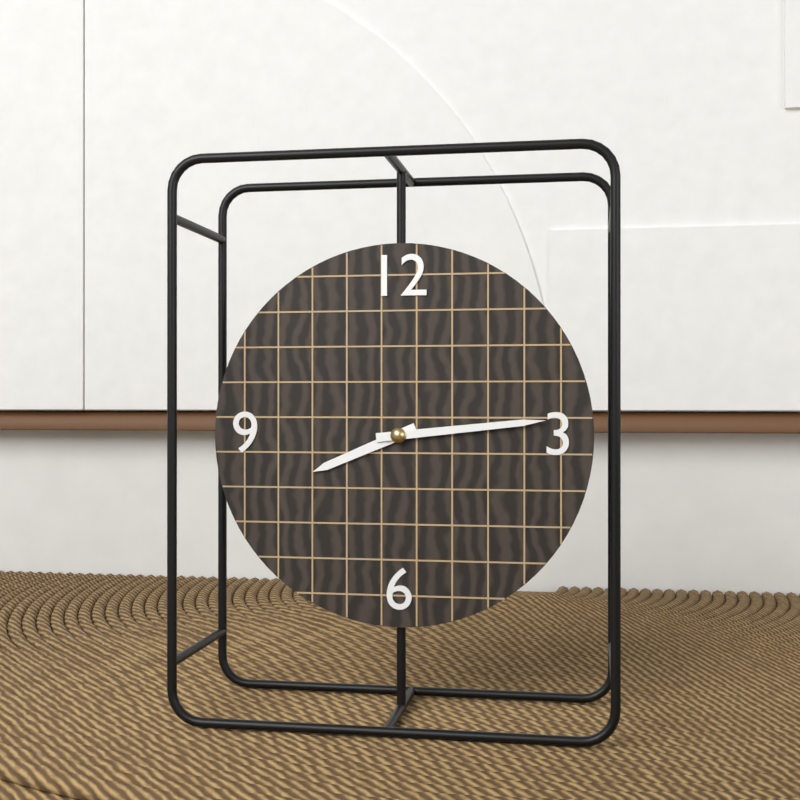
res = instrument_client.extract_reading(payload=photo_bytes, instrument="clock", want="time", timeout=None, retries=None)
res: 8:14
